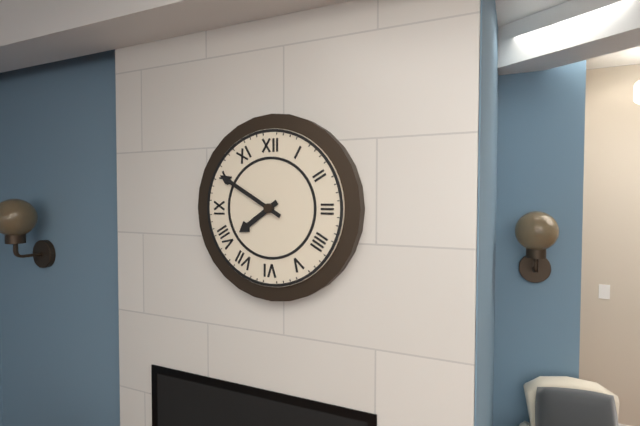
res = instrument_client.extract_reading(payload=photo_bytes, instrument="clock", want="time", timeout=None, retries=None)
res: 7:50
